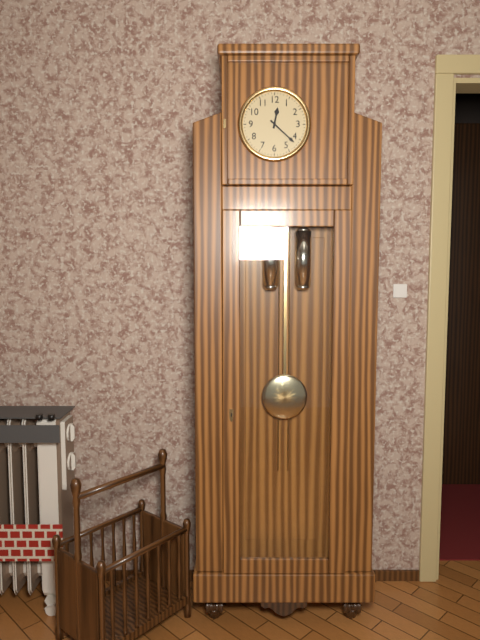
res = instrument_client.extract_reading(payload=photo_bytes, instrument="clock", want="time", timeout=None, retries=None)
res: 12:22
